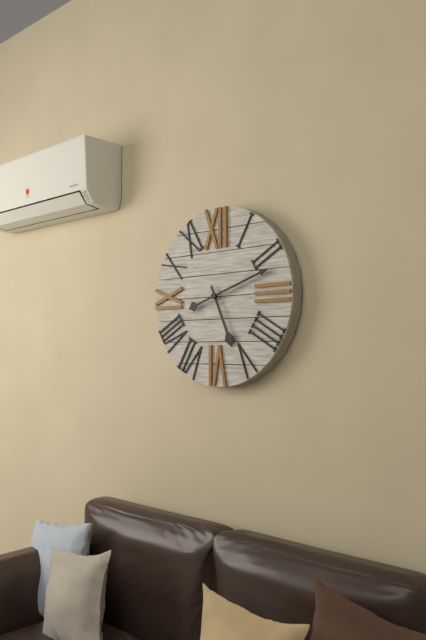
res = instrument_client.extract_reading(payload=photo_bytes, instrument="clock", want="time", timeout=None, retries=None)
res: 5:12
